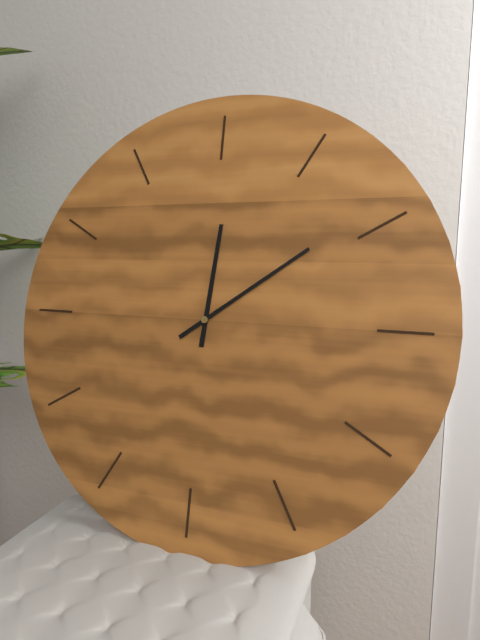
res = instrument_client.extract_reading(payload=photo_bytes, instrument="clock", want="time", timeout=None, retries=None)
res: 12:09
